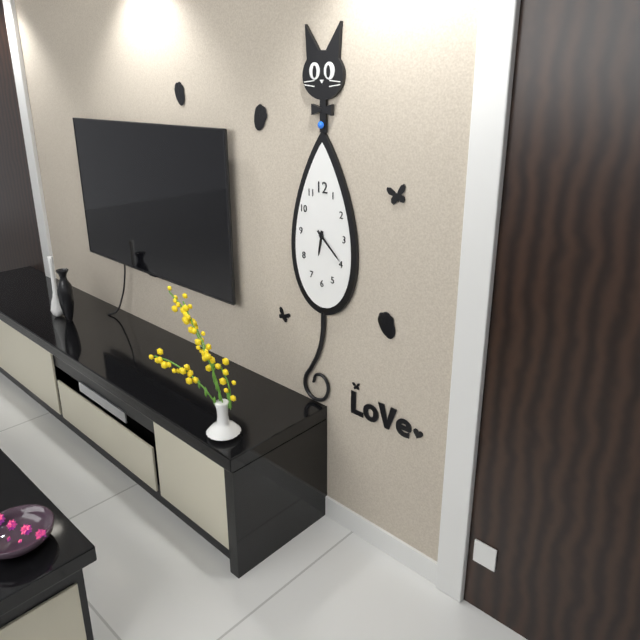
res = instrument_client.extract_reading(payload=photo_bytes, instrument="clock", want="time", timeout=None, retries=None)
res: 6:22
